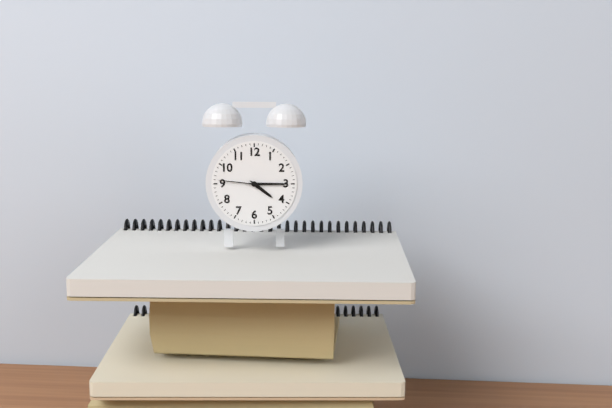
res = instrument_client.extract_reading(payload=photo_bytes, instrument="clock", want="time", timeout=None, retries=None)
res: 4:15
